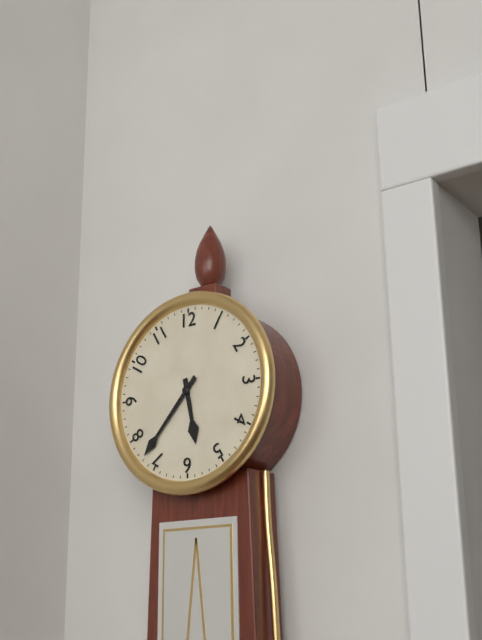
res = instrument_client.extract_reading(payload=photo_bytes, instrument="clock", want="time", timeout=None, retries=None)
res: 5:37
